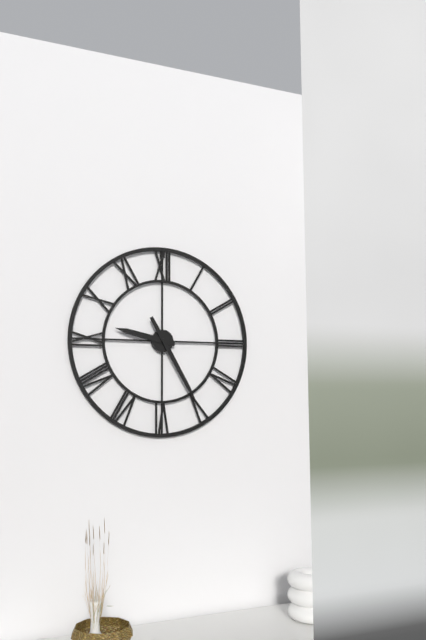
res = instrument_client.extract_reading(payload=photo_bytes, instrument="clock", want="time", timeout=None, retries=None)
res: 9:25
